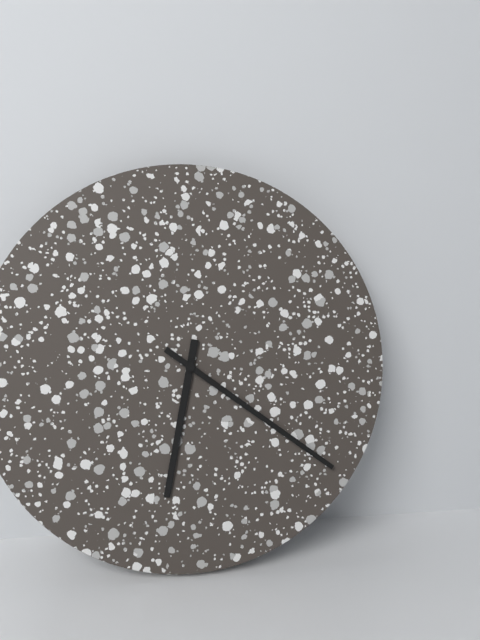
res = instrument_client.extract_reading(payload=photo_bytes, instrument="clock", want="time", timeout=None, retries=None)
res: 6:21
